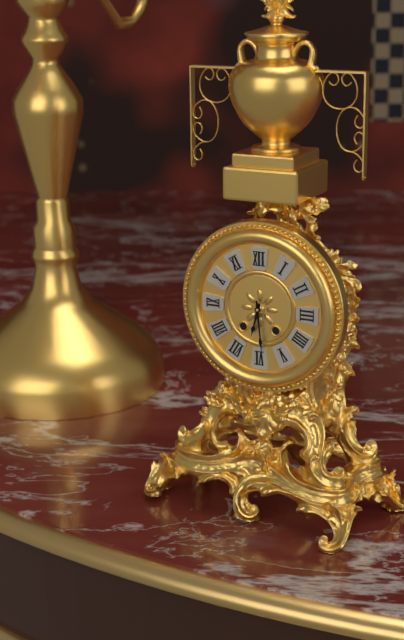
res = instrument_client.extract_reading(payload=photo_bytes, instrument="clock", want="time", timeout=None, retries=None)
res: 6:29
